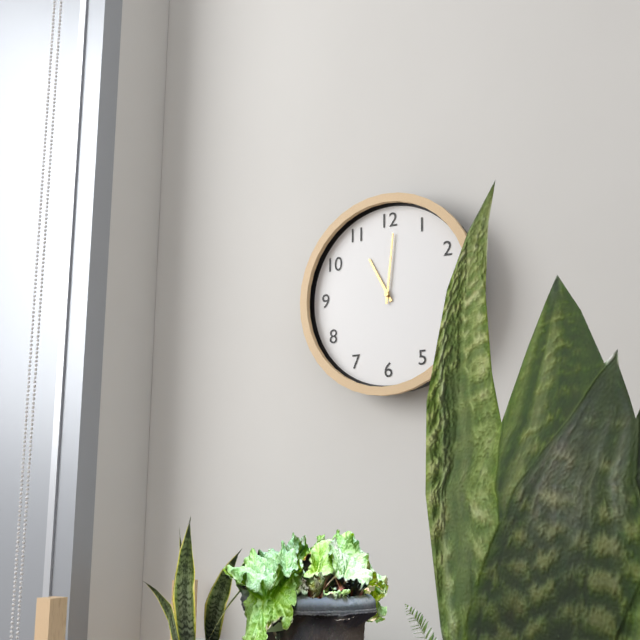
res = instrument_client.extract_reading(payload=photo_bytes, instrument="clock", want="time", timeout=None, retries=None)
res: 11:01
